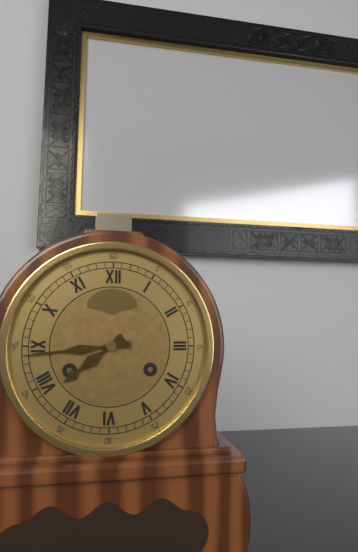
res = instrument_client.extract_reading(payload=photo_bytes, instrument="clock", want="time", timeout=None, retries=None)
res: 7:44
